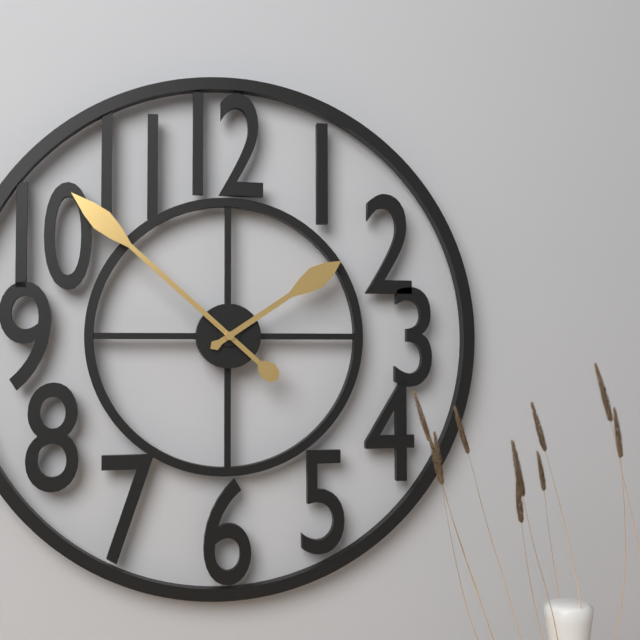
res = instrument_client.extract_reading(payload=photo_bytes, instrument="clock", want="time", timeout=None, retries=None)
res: 1:52
